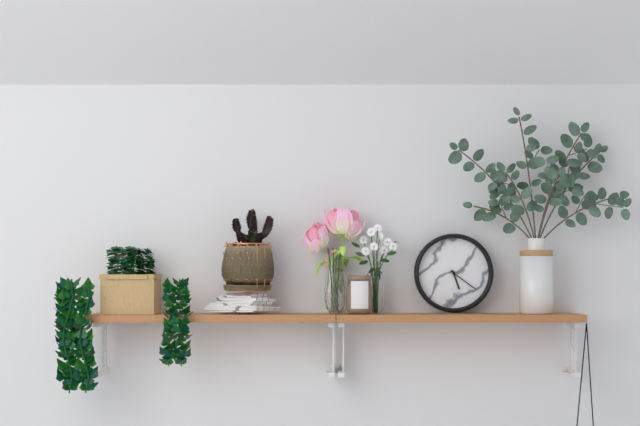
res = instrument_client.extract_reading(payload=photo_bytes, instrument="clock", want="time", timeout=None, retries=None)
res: 5:21
